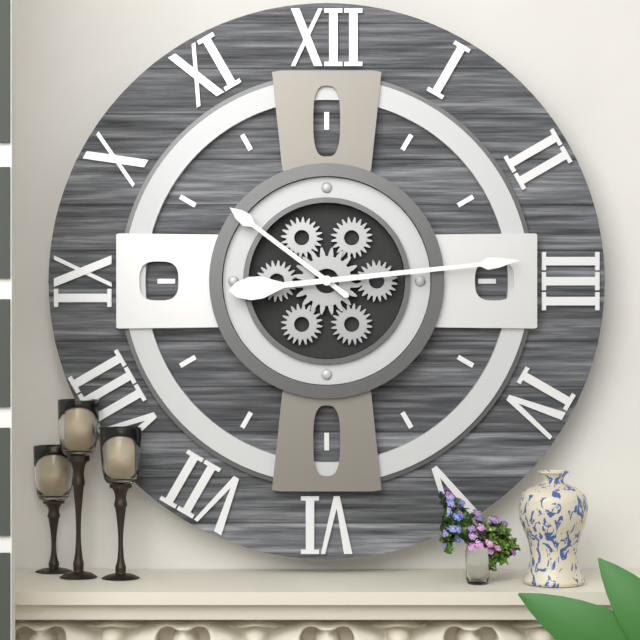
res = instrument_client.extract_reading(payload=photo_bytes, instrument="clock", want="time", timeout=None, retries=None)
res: 10:14
